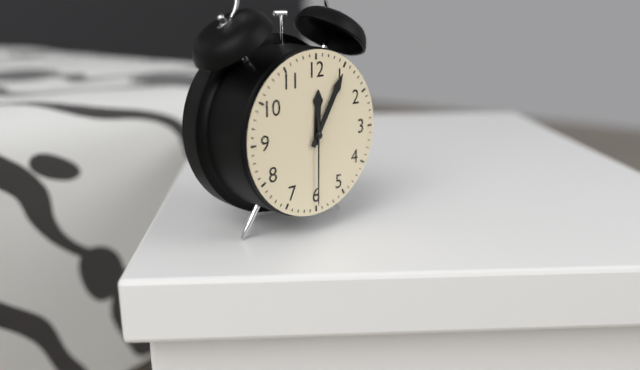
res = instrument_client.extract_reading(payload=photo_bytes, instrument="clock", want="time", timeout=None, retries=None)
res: 12:05:30
